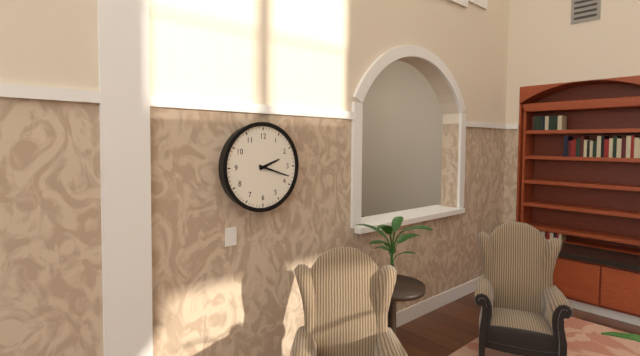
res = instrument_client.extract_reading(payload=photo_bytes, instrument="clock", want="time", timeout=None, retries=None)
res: 2:18
